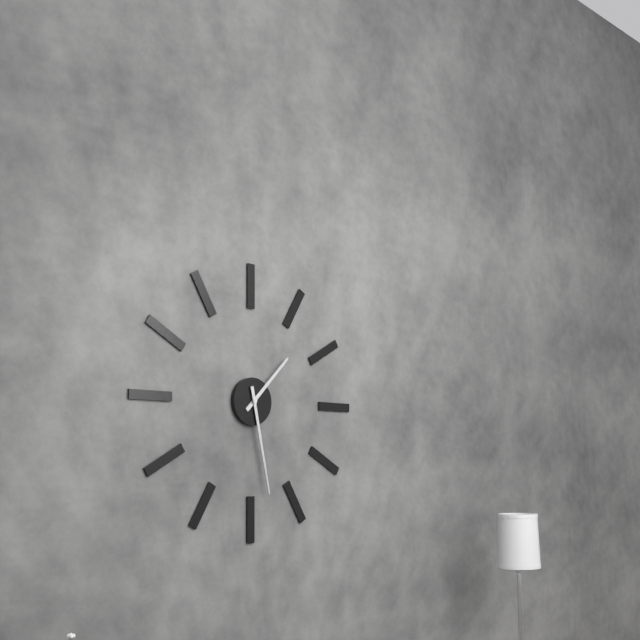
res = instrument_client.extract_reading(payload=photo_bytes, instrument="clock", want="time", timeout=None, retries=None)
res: 1:28
